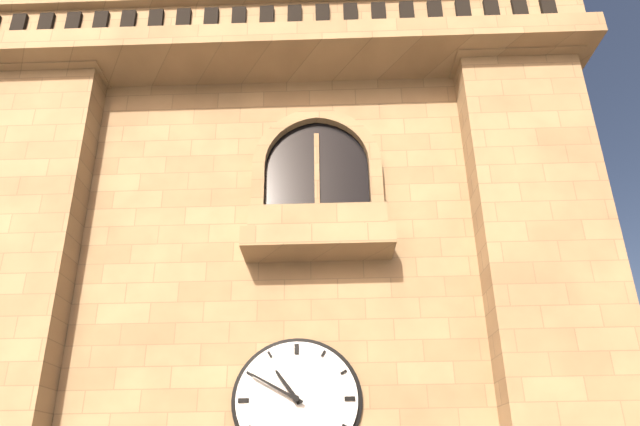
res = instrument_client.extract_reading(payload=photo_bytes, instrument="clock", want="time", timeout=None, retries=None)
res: 10:50
